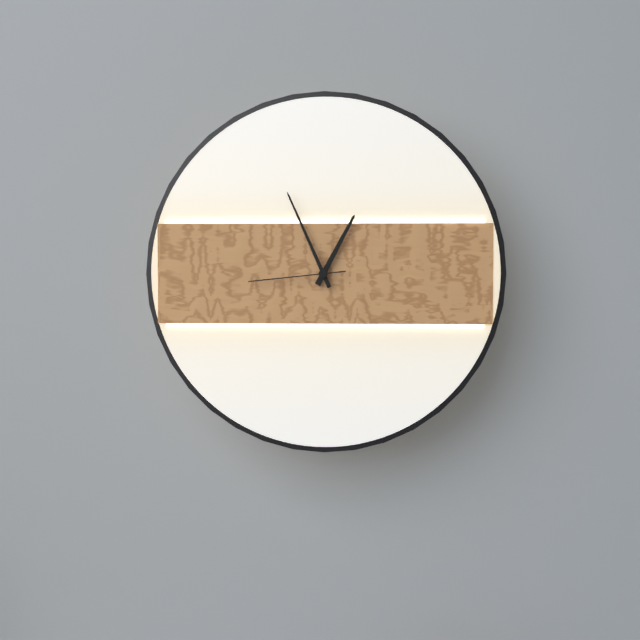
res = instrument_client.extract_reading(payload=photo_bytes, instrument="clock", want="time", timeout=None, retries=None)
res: 12:56:44
